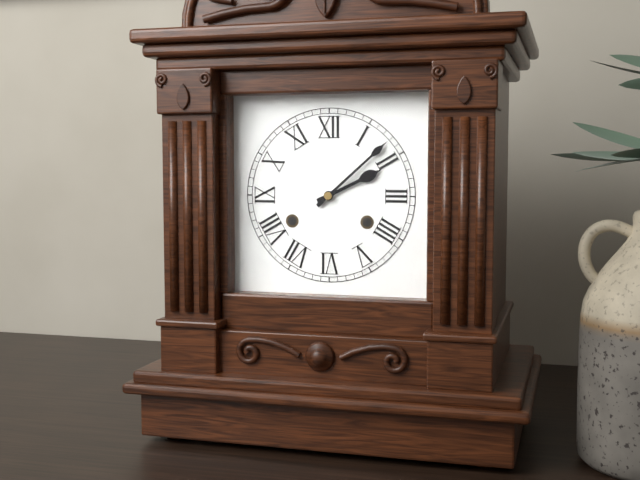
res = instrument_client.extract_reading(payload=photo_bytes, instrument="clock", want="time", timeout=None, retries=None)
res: 2:08
